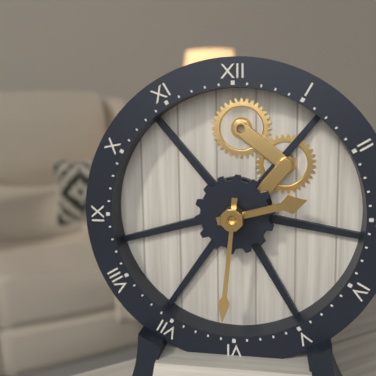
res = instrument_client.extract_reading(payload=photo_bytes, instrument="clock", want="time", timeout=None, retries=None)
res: 2:31
